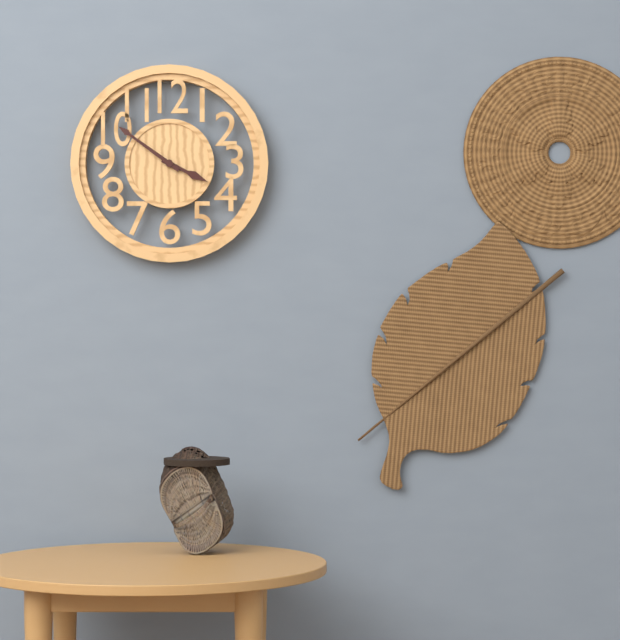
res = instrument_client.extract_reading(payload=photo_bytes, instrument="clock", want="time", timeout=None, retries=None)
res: 3:51
